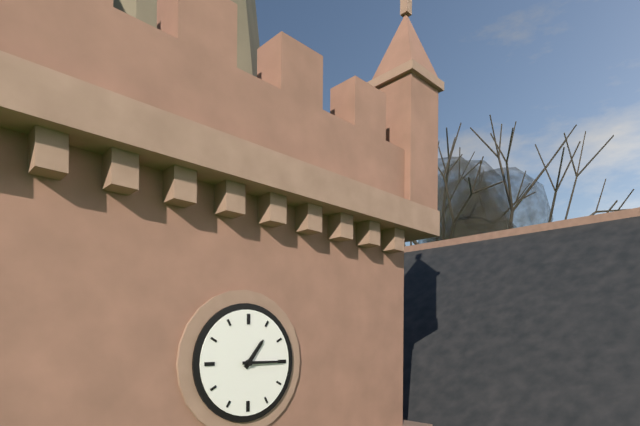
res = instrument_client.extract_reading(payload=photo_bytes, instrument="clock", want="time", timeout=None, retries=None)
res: 1:15
